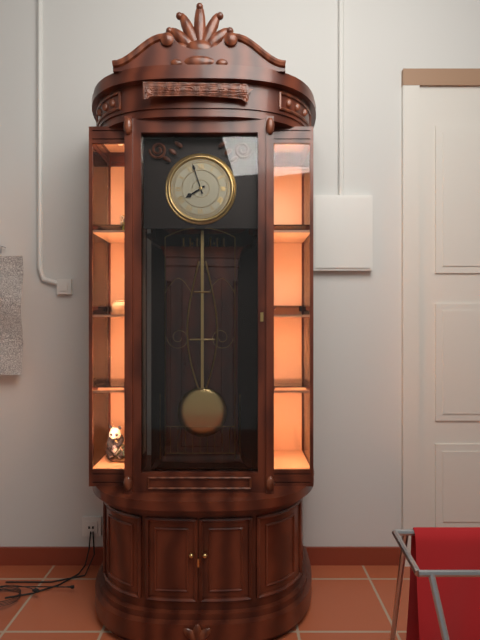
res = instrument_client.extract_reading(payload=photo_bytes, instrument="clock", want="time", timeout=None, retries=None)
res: 7:57
